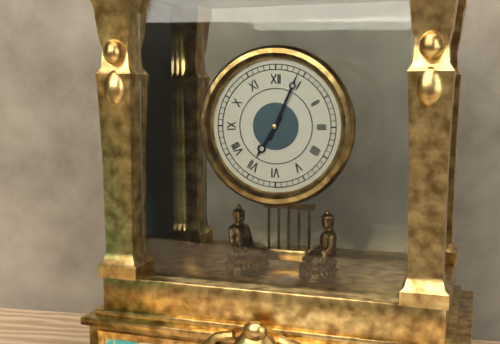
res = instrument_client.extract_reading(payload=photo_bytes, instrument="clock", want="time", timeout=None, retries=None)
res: 7:04
